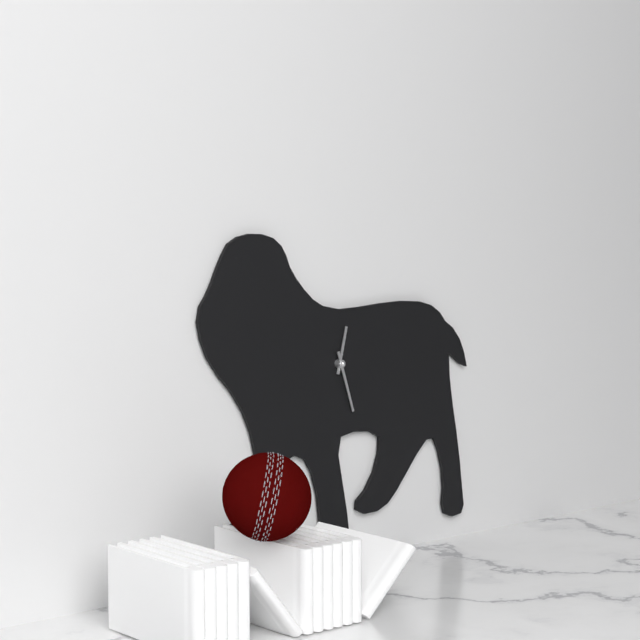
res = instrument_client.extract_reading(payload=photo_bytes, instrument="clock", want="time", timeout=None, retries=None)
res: 12:27
